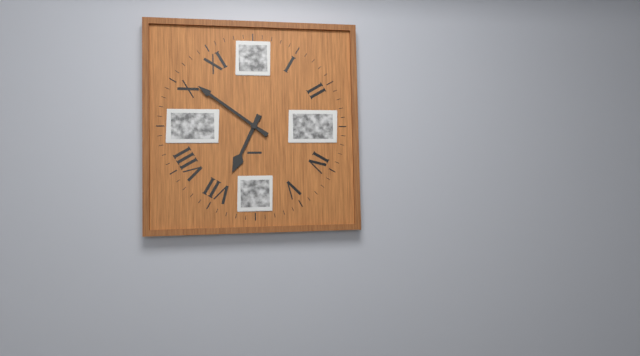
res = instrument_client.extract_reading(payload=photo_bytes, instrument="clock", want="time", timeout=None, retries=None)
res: 6:51
